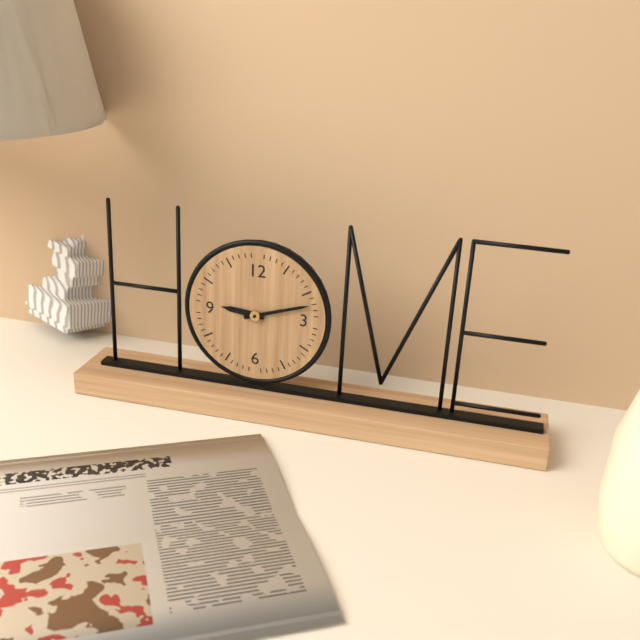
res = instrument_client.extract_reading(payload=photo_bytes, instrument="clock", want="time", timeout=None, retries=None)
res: 9:12
